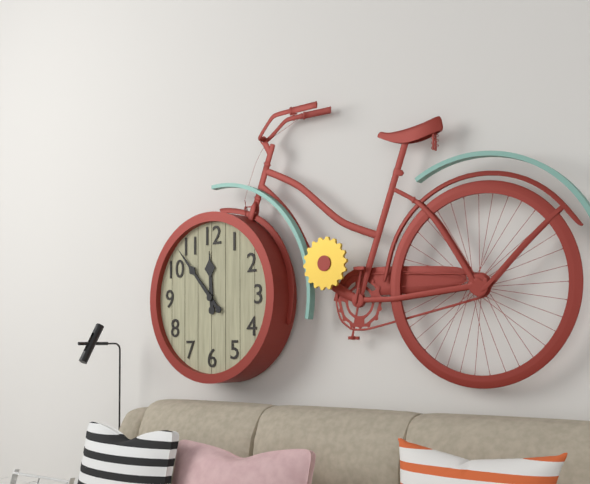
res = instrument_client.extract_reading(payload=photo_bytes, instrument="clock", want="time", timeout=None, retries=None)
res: 11:53
